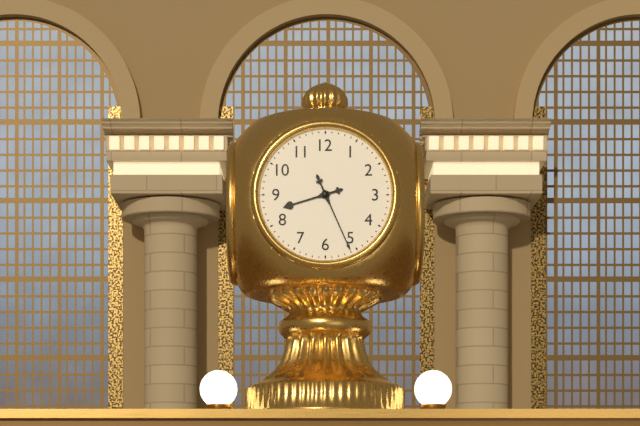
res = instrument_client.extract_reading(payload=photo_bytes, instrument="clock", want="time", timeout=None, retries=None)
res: 8:26
